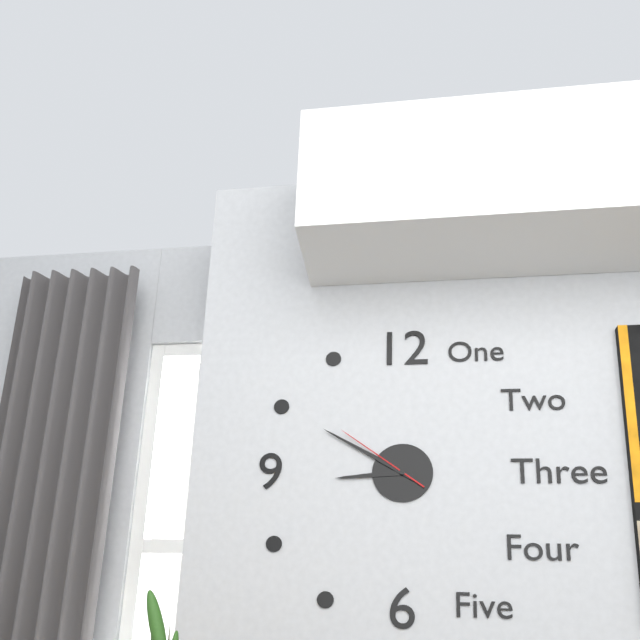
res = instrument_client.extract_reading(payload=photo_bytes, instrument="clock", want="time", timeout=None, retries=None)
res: 8:50:51
